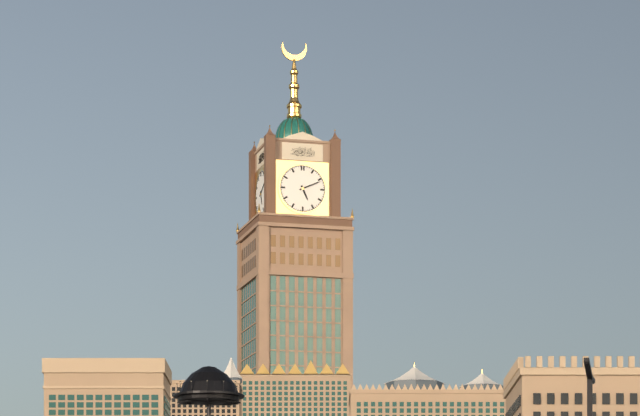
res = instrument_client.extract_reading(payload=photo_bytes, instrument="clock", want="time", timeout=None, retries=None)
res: 5:11
